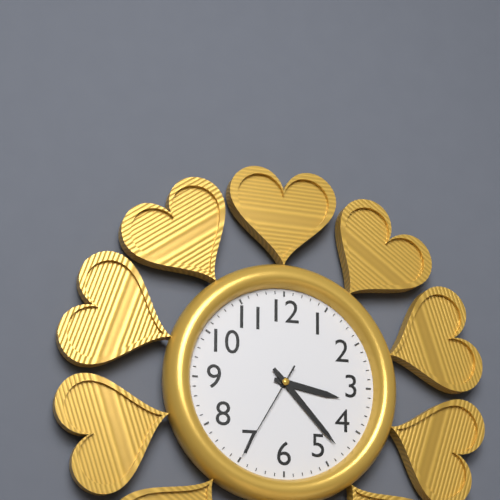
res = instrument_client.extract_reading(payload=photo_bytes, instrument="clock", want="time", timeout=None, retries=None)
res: 3:23:35
